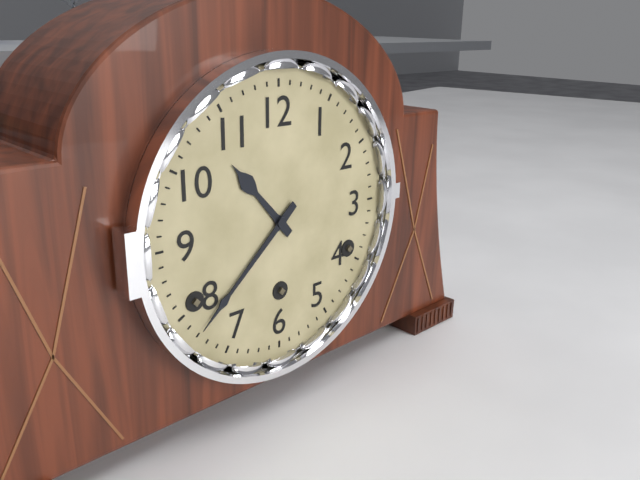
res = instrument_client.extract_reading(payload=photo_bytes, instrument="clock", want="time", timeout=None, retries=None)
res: 10:38
